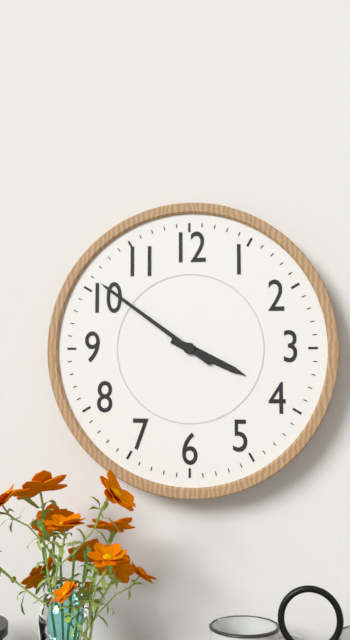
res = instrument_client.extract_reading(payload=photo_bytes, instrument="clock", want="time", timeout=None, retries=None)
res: 3:51
